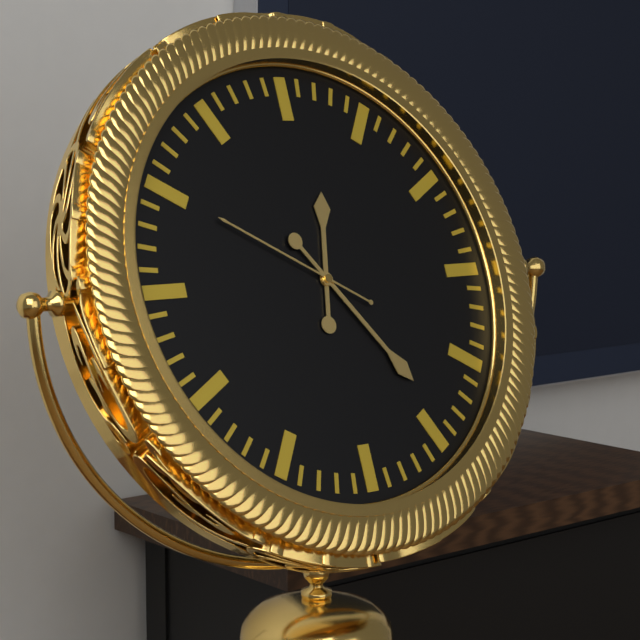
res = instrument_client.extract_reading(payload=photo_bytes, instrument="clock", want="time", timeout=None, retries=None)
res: 12:24:50
